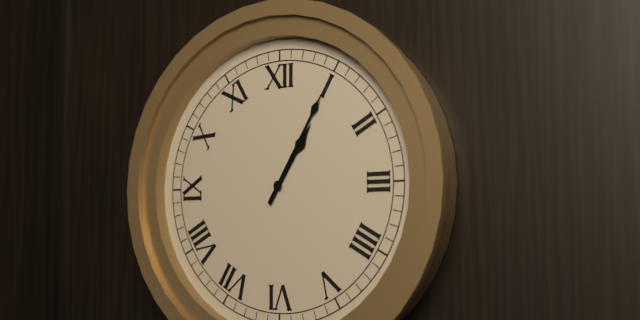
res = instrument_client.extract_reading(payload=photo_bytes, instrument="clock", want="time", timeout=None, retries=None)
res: 1:05
